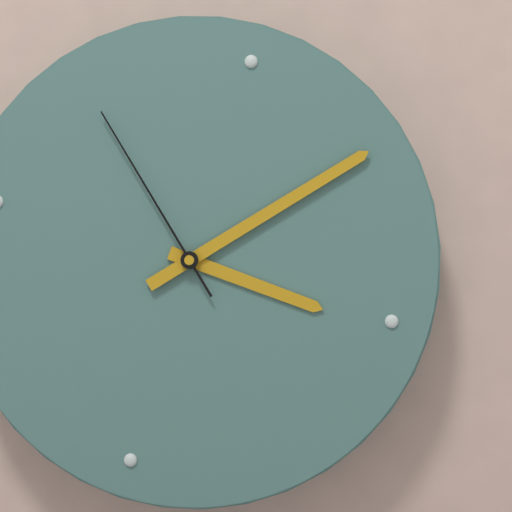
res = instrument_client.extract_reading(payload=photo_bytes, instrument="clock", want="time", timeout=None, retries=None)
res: 3:07:52
